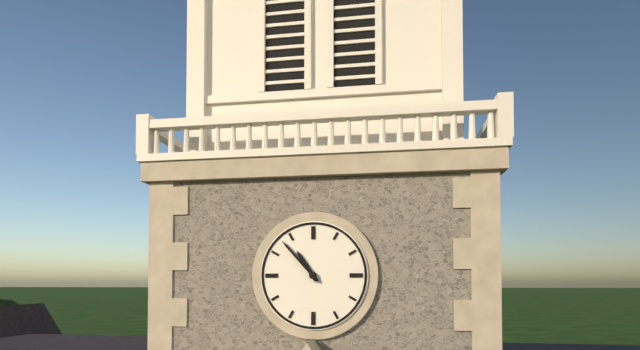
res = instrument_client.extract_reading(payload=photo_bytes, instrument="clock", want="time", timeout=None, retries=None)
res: 10:53
